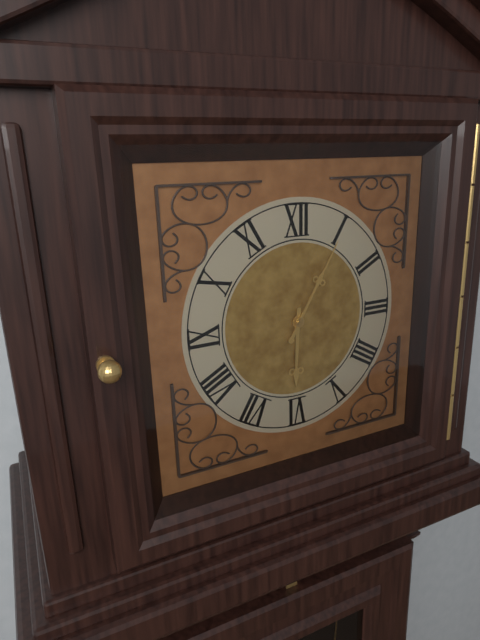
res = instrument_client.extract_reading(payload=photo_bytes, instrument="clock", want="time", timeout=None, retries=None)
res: 6:05
